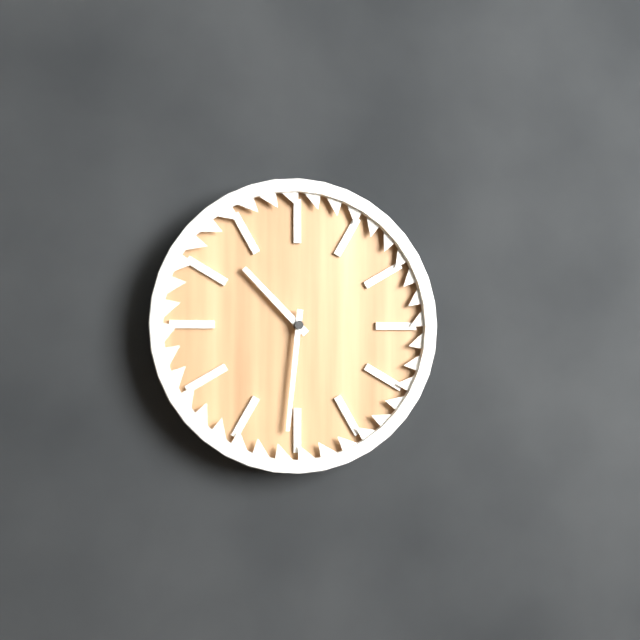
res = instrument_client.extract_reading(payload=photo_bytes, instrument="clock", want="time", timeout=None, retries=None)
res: 10:31
